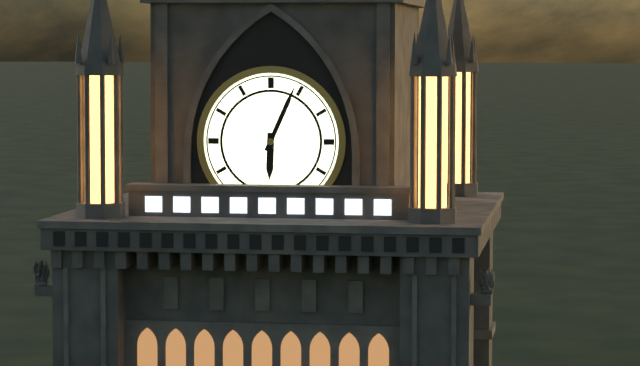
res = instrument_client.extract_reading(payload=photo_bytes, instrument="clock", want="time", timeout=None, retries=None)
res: 6:04
